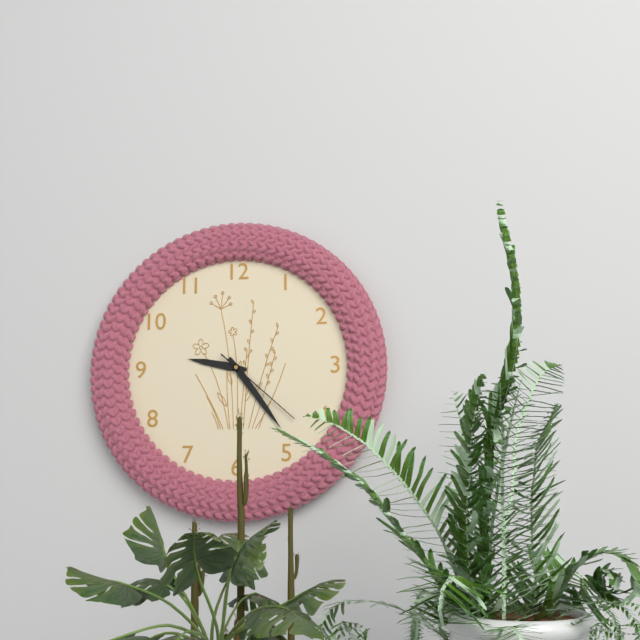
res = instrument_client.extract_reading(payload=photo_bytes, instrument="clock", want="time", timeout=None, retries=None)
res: 9:24:22
